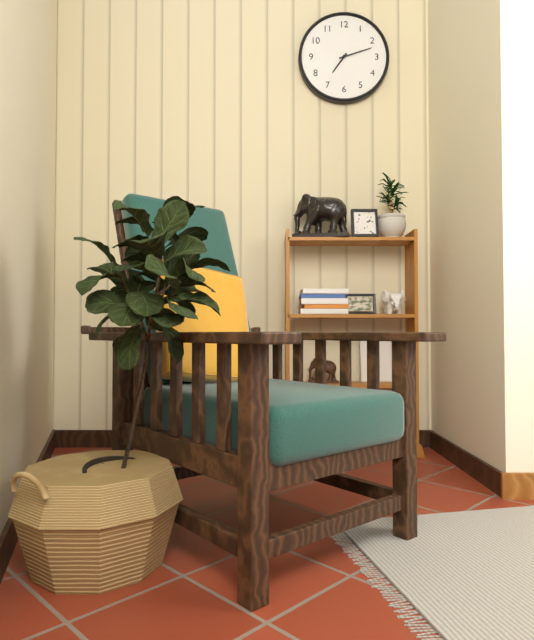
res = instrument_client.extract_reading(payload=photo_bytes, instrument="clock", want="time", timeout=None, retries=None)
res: 7:12
